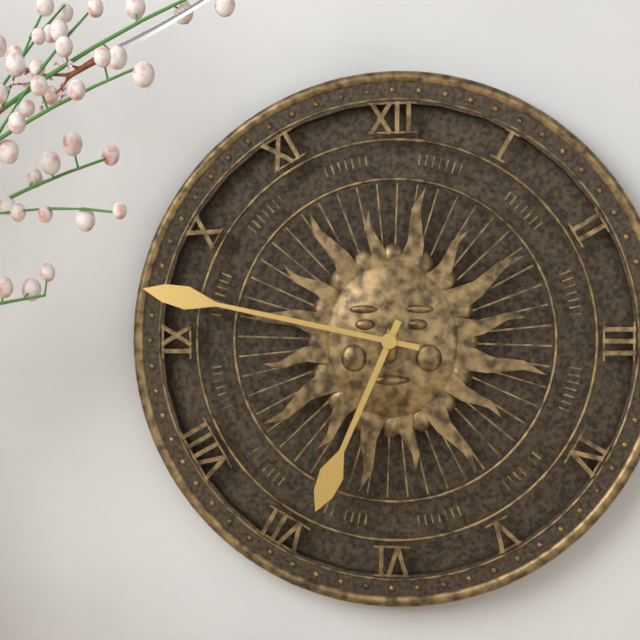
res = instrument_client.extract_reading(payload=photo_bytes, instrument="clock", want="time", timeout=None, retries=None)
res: 6:47
